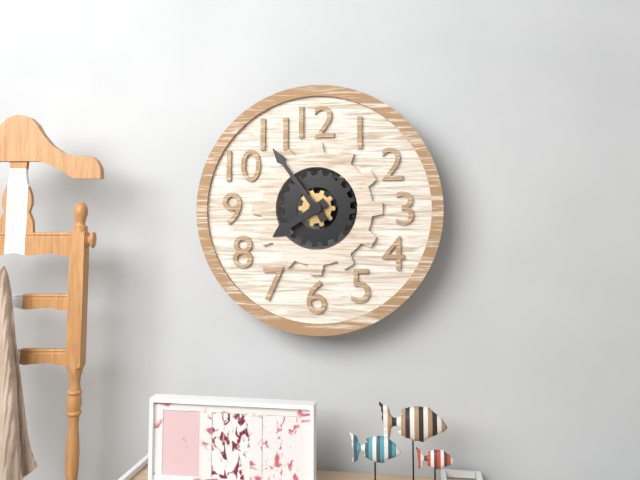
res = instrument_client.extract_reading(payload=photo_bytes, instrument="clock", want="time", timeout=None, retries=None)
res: 7:54
